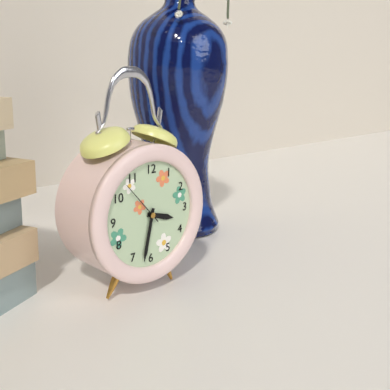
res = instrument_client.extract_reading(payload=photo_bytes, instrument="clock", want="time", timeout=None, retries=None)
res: 3:32
